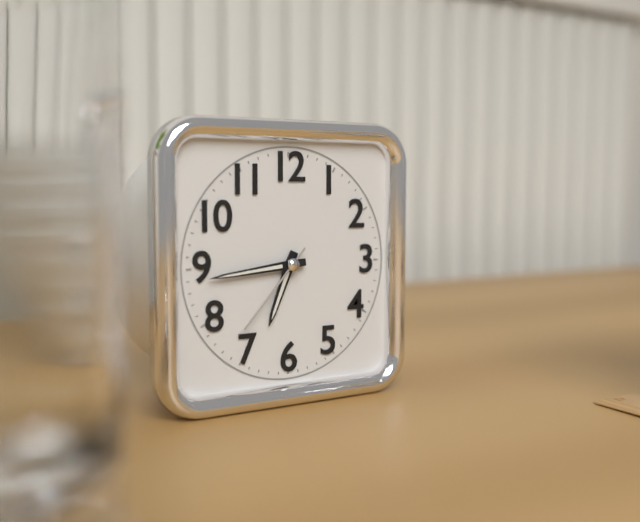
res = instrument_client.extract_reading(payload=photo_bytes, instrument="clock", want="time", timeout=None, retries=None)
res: 6:44:37
